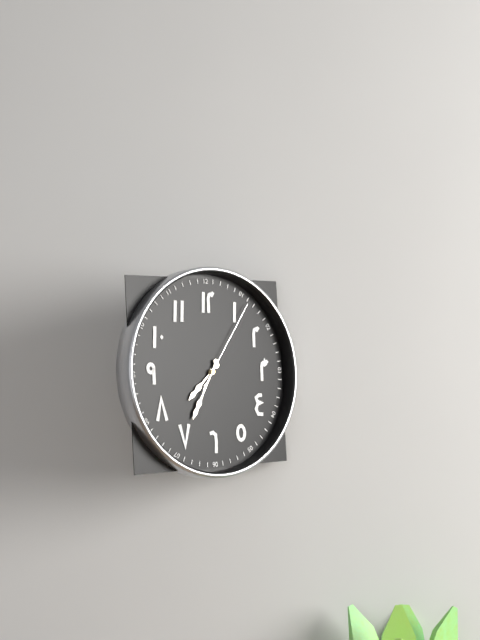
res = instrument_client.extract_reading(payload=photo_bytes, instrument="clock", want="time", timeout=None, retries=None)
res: 7:35:06
